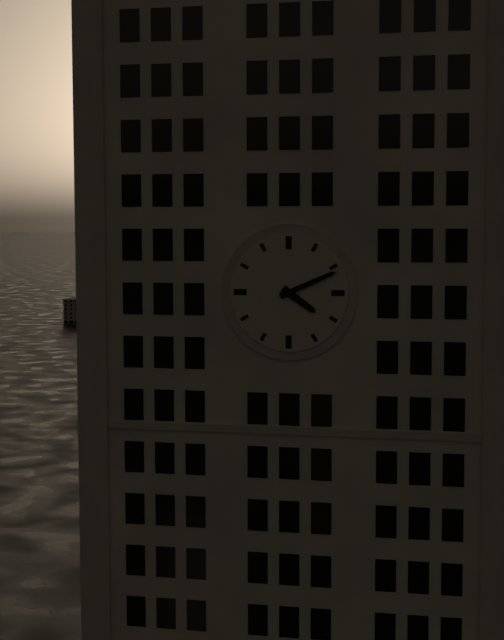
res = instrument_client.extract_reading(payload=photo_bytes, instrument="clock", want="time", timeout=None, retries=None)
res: 4:11
